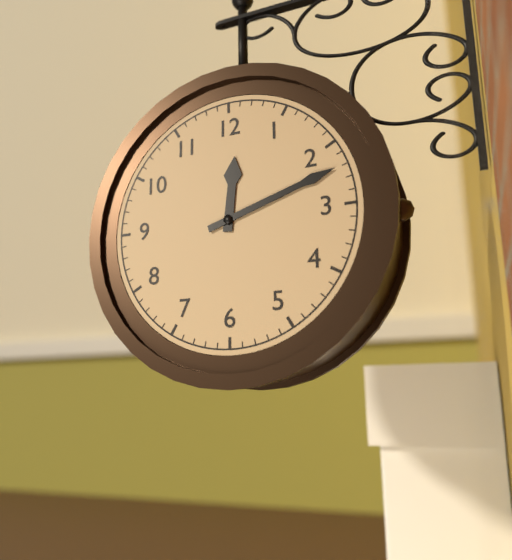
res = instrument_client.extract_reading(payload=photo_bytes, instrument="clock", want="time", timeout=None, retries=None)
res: 12:12
